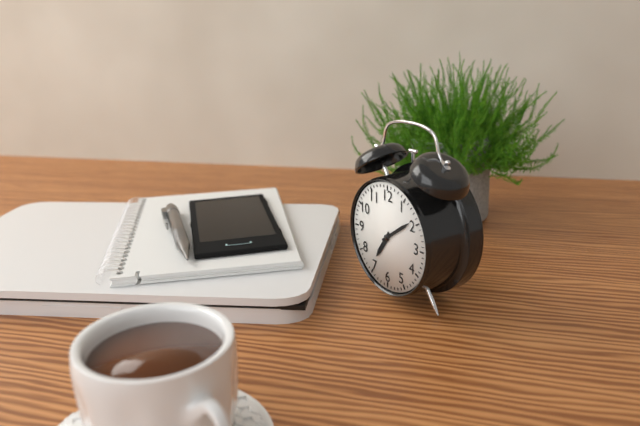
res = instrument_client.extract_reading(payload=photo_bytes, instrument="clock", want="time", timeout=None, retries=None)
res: 7:09
